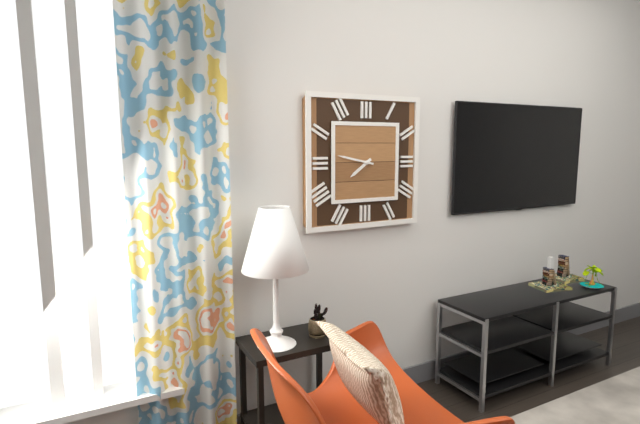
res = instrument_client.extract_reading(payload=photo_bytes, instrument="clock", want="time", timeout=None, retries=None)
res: 7:47
